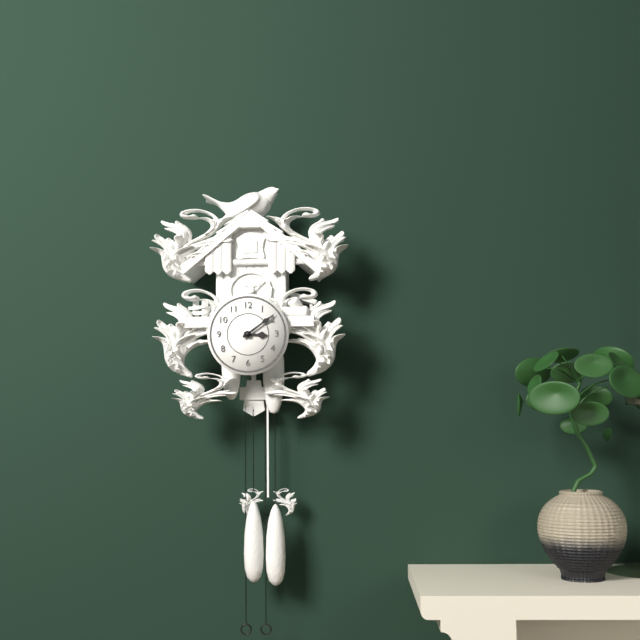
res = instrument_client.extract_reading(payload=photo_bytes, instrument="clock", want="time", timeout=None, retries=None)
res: 3:09
